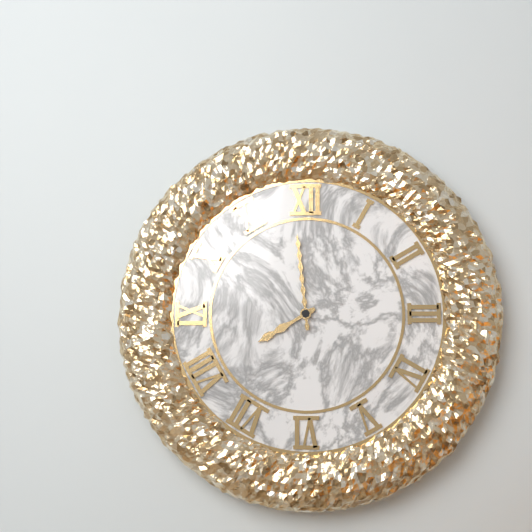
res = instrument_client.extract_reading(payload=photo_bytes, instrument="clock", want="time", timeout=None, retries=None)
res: 7:59
